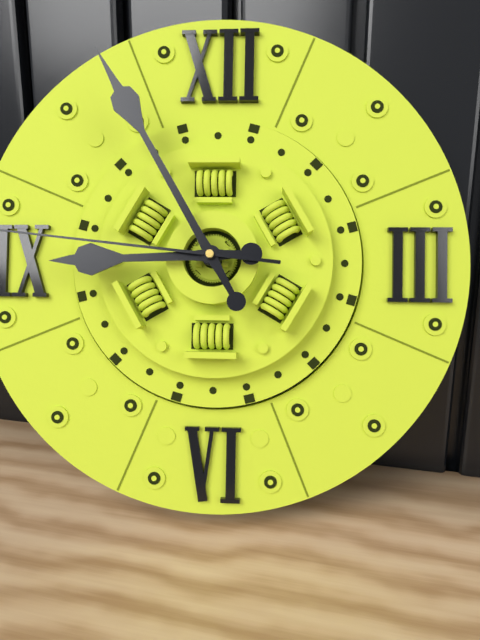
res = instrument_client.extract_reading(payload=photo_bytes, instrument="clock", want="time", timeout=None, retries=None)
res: 8:55
